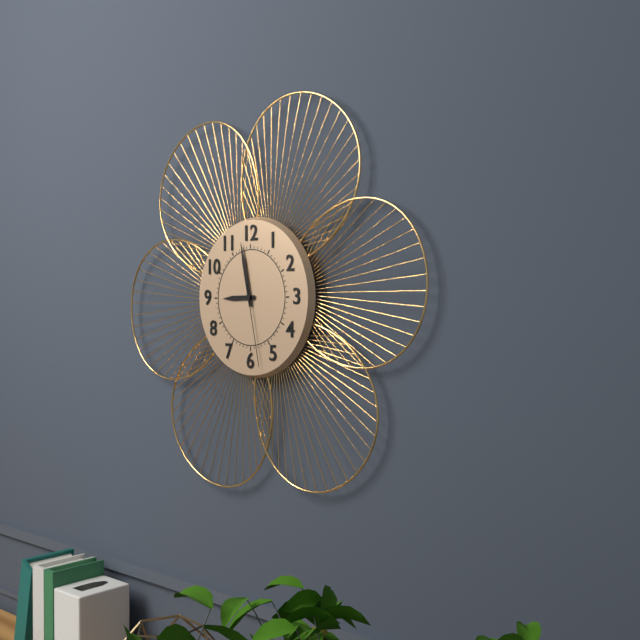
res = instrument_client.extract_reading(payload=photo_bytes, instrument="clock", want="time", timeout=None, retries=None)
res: 8:58:28
